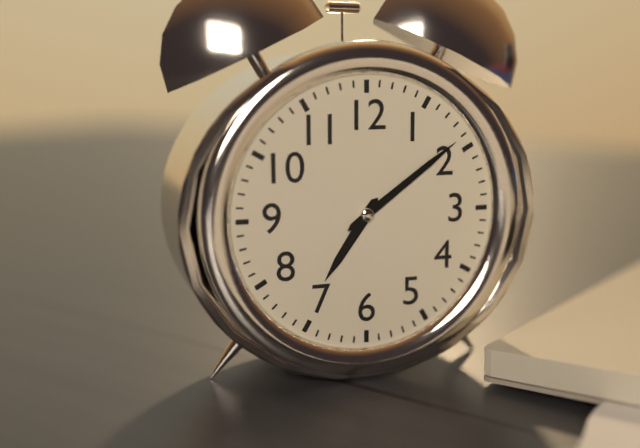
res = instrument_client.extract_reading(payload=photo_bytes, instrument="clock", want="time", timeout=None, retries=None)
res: 7:09
